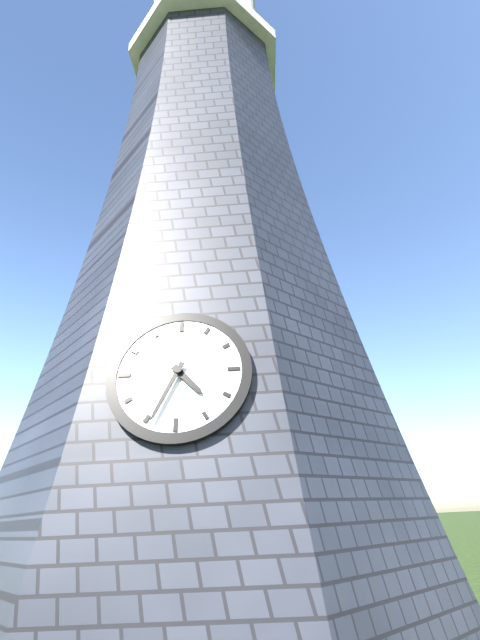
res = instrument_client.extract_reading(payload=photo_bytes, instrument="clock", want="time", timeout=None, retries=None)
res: 4:34
